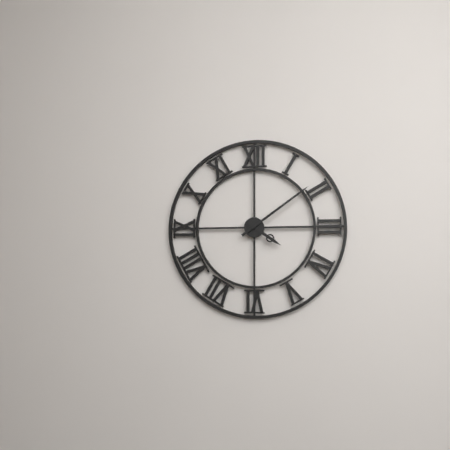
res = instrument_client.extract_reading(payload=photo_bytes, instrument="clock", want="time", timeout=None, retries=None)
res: 4:09
